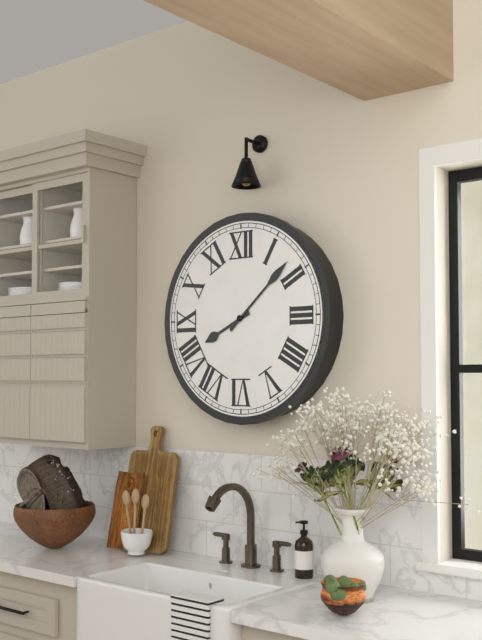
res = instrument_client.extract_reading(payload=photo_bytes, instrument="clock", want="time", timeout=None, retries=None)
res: 8:08
